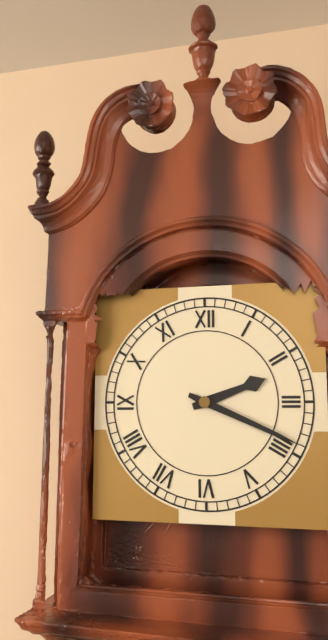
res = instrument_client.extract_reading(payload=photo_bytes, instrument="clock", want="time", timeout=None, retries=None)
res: 2:19
